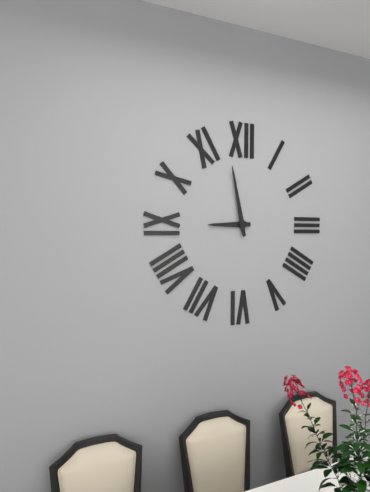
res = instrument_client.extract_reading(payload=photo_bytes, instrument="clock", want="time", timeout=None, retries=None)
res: 8:58
